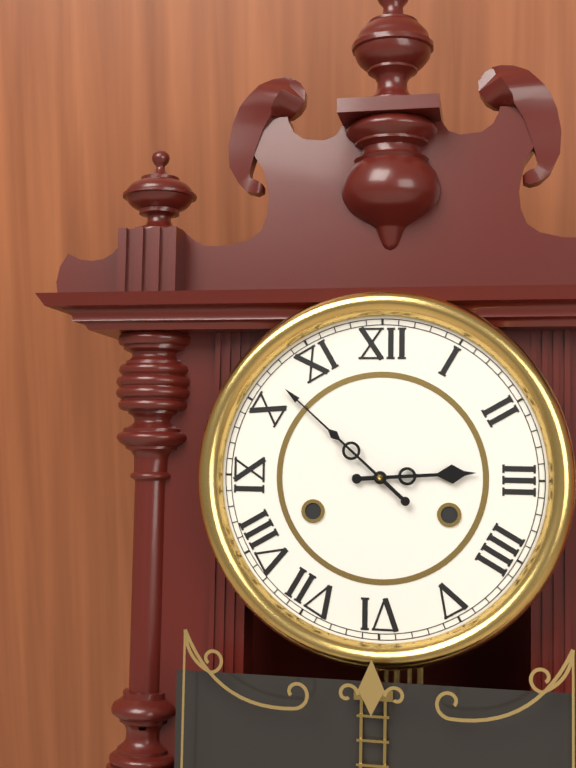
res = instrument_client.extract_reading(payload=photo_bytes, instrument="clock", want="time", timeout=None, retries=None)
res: 2:52
